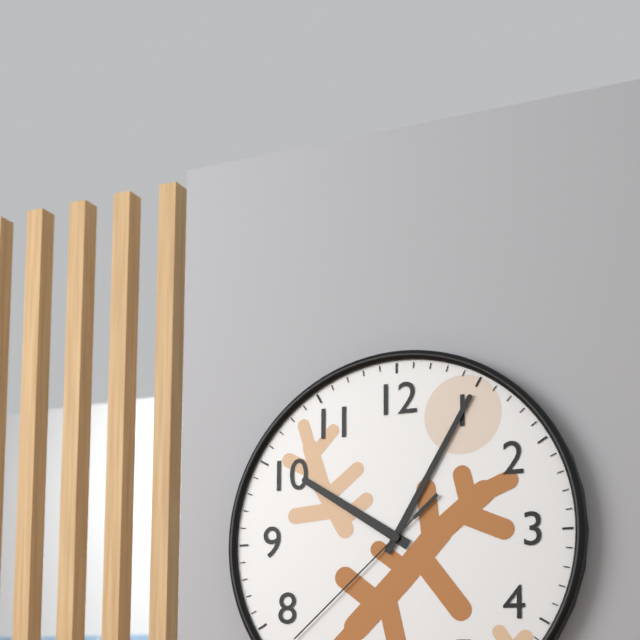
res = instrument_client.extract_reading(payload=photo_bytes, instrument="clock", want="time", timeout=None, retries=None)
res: 10:05:38
